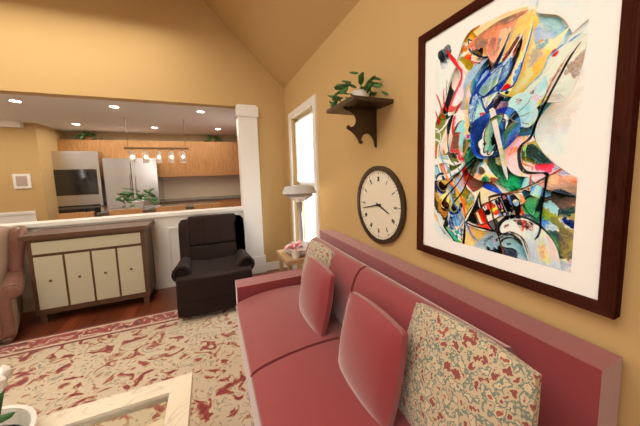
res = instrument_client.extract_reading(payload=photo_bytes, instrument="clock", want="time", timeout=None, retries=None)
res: 3:43
